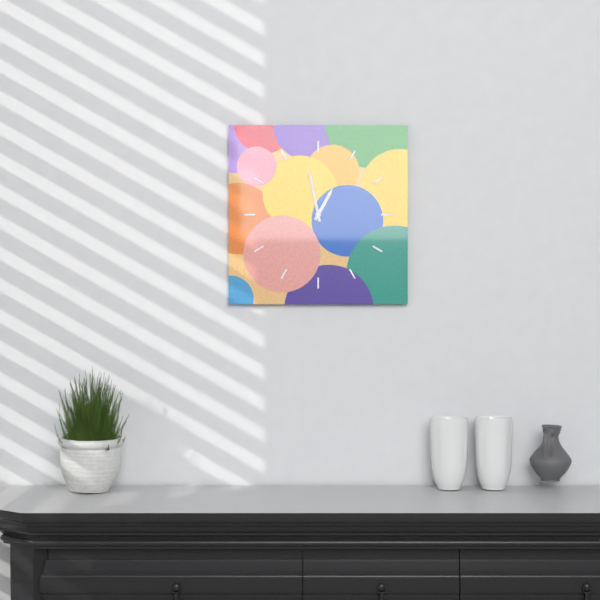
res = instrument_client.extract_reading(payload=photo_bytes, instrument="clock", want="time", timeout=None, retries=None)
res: 12:58
